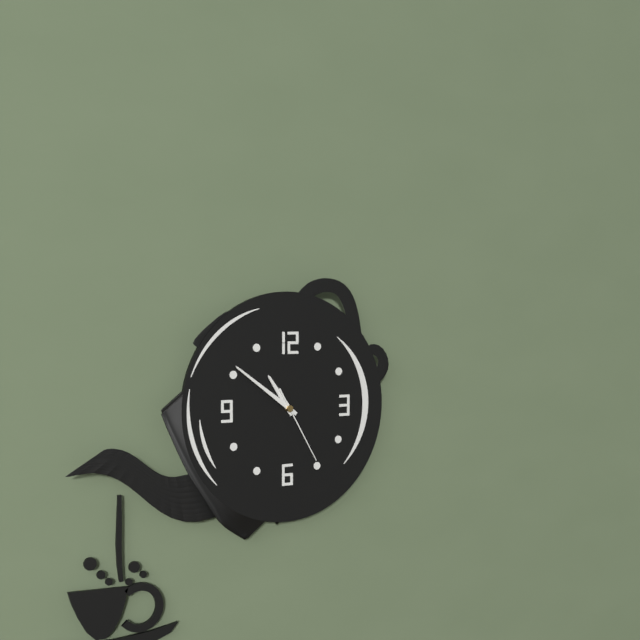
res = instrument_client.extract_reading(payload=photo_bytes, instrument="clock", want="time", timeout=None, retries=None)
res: 10:51:25
